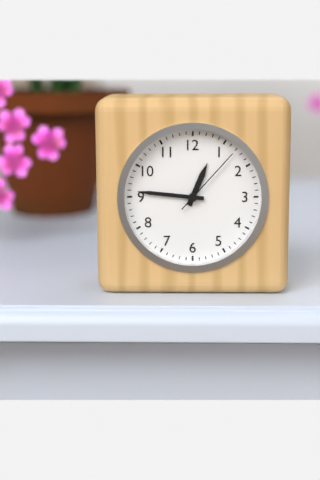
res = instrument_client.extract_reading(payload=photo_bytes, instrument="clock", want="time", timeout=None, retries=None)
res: 12:46:07
